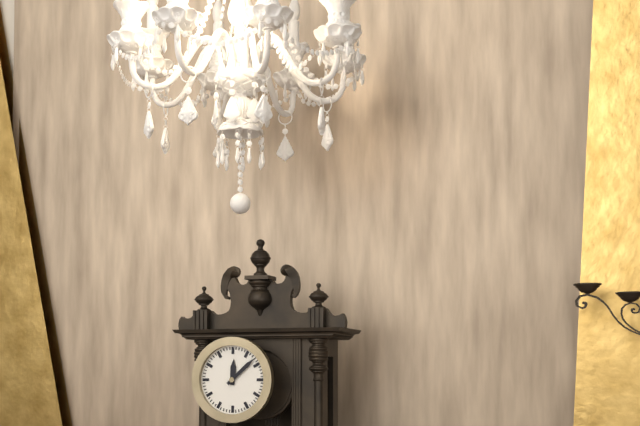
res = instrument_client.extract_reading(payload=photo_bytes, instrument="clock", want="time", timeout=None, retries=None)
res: 12:08
